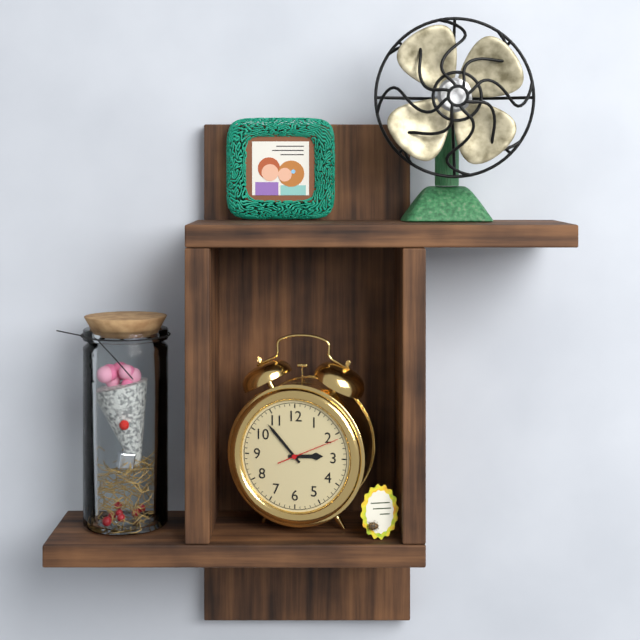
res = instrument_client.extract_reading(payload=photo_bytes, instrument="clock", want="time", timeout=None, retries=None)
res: 2:53:11
